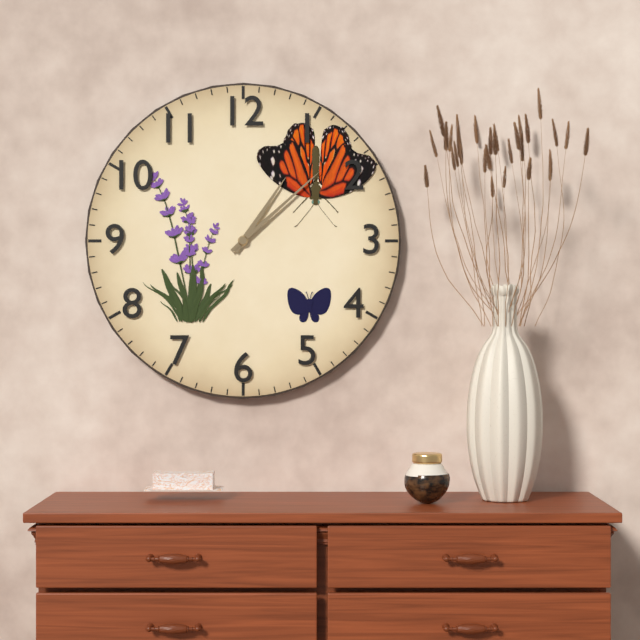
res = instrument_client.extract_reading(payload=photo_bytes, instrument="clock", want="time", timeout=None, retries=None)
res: 1:08
